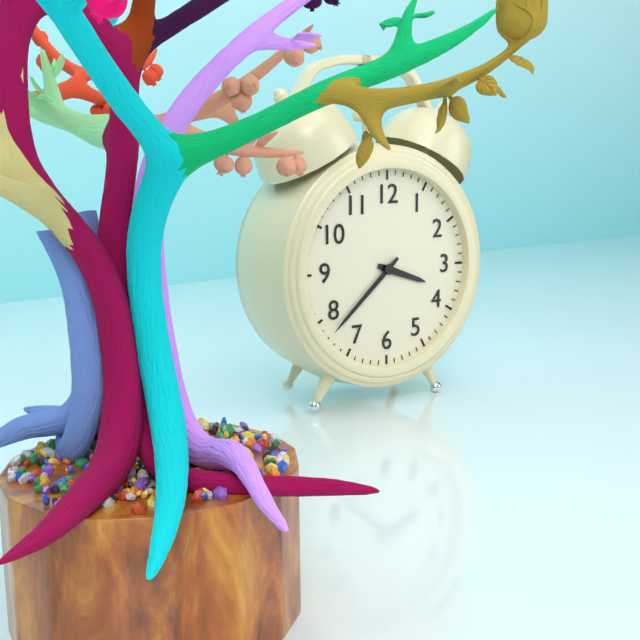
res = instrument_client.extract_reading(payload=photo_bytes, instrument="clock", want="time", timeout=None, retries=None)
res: 3:38
